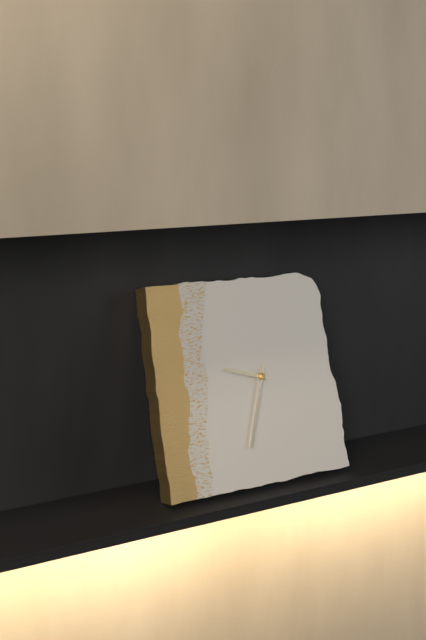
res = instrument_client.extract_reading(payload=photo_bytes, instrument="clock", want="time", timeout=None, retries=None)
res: 9:33
